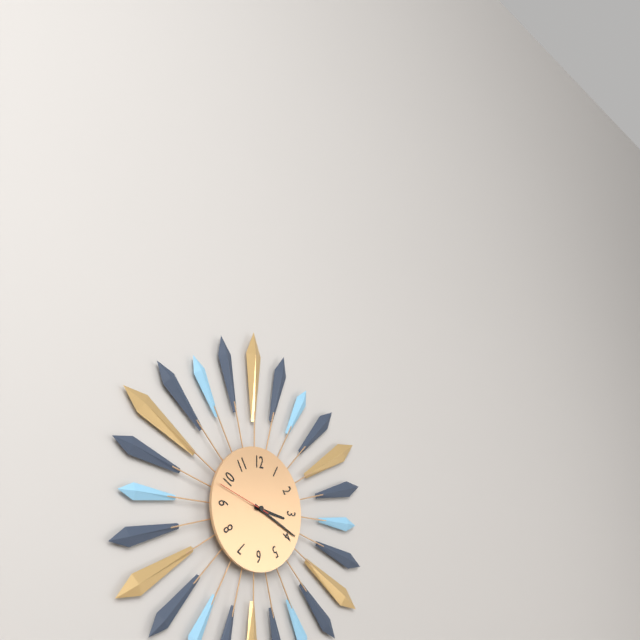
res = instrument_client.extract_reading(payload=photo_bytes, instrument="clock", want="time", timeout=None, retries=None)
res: 3:19:48
